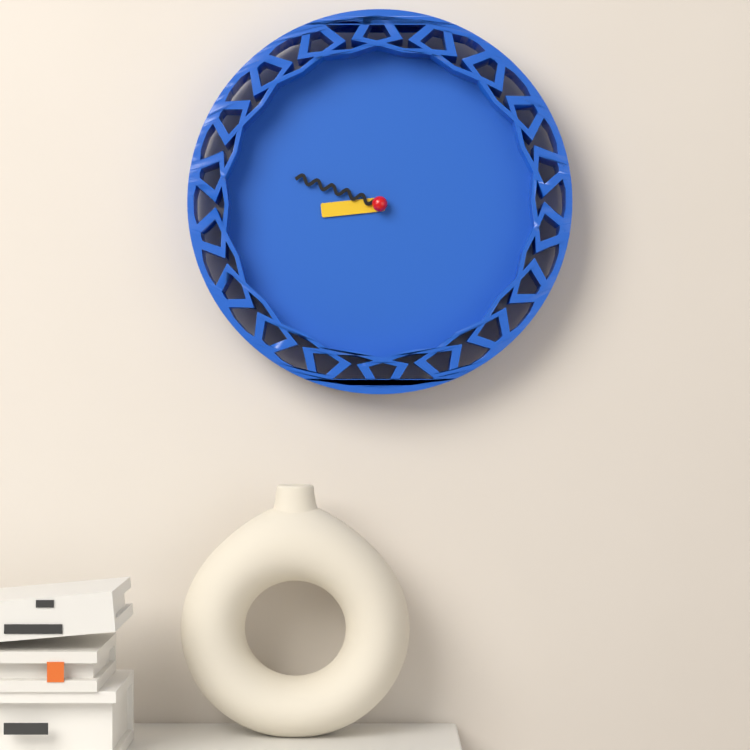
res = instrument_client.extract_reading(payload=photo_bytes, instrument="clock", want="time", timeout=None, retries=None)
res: 8:48
